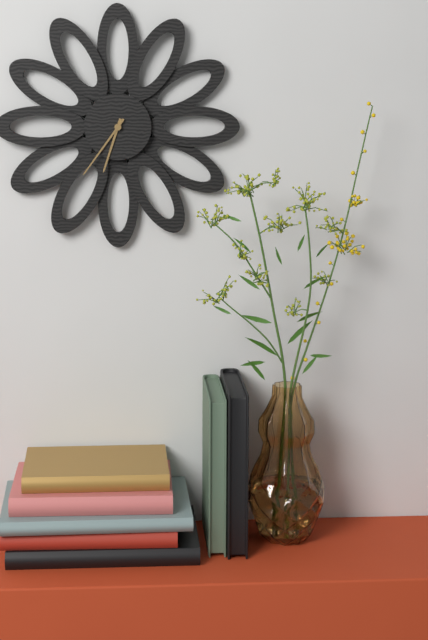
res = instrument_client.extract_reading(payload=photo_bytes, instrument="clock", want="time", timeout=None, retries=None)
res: 6:36
